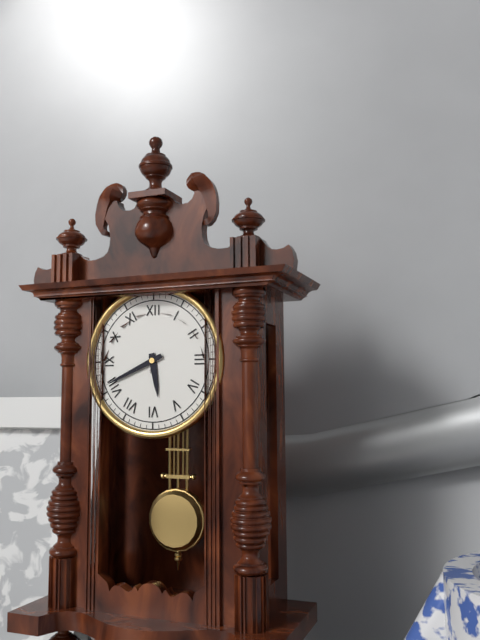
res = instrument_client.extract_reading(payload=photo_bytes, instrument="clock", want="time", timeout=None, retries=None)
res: 5:41
